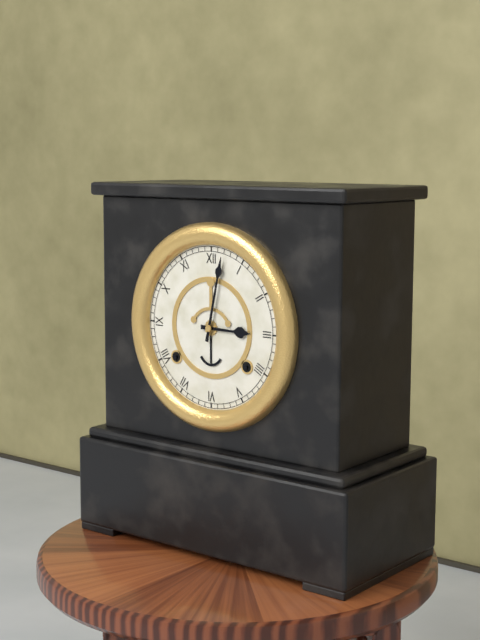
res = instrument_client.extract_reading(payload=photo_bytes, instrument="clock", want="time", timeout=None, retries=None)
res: 3:02
